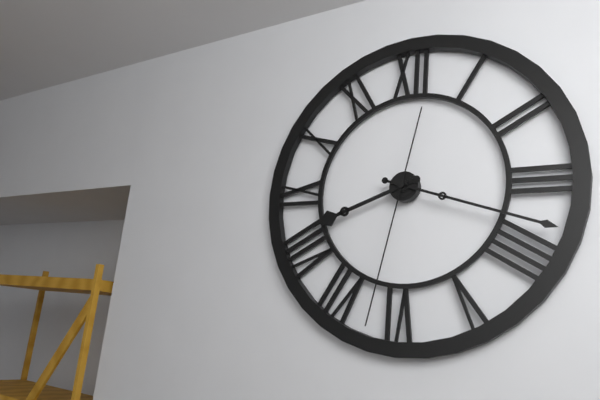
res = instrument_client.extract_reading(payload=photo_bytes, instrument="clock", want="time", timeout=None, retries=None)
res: 8:18:32
